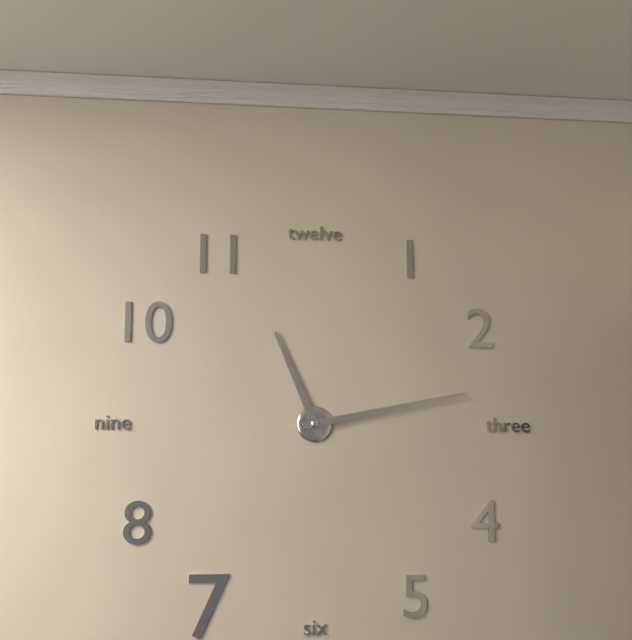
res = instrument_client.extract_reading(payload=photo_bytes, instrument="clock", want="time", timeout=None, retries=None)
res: 11:13
